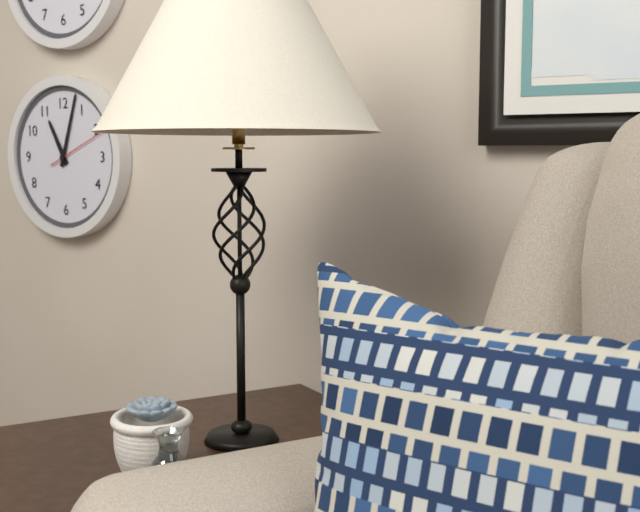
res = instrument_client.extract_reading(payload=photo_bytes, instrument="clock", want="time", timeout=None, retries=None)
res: 11:03:11
